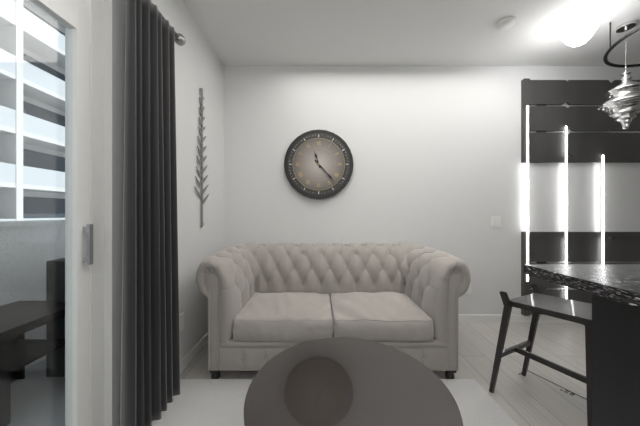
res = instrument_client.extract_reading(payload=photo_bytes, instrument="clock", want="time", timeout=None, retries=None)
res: 11:23
